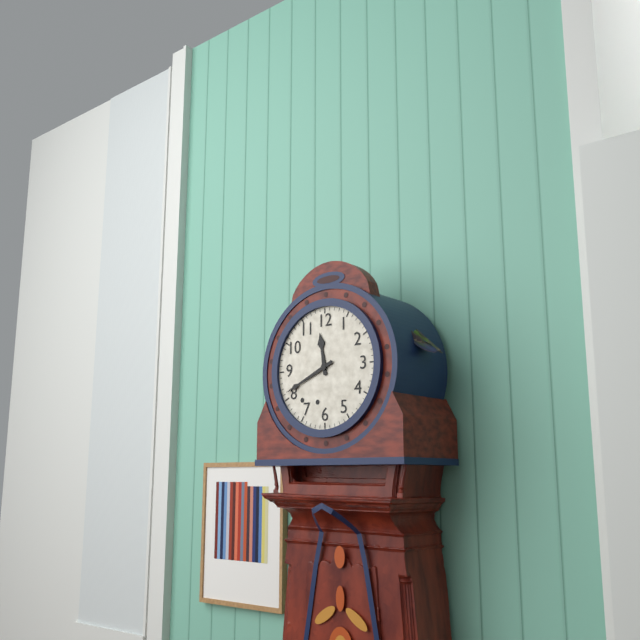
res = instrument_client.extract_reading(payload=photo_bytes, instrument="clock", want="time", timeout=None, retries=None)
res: 11:41
